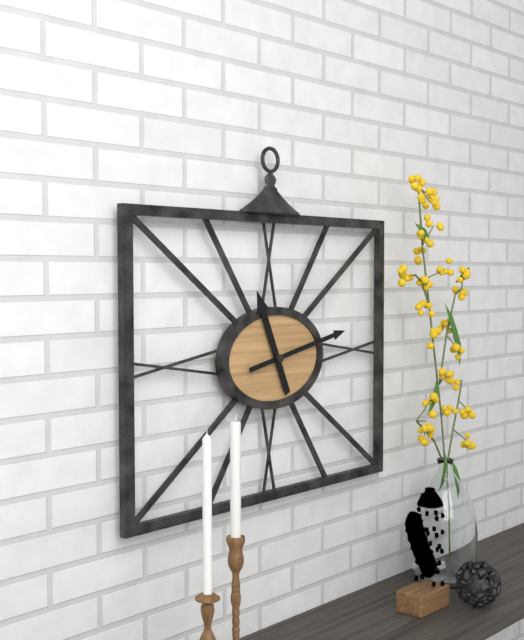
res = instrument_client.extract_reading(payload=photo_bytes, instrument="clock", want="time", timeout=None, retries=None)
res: 11:13
